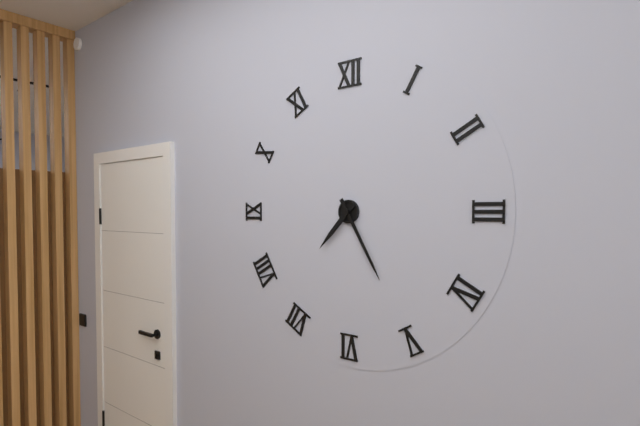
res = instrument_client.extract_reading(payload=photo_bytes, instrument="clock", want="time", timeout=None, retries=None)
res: 7:25
